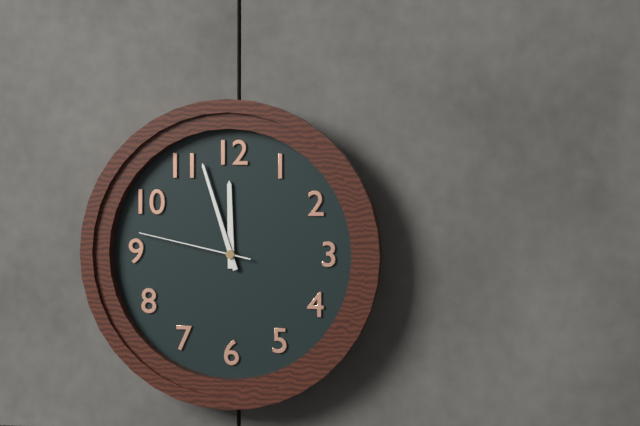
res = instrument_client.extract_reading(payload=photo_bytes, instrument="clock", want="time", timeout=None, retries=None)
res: 11:57:47
